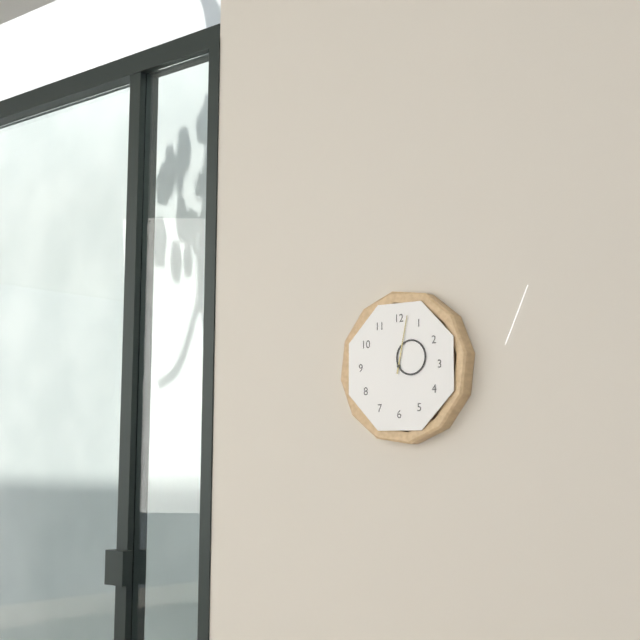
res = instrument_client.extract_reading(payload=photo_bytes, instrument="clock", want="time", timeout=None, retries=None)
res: 2:02
